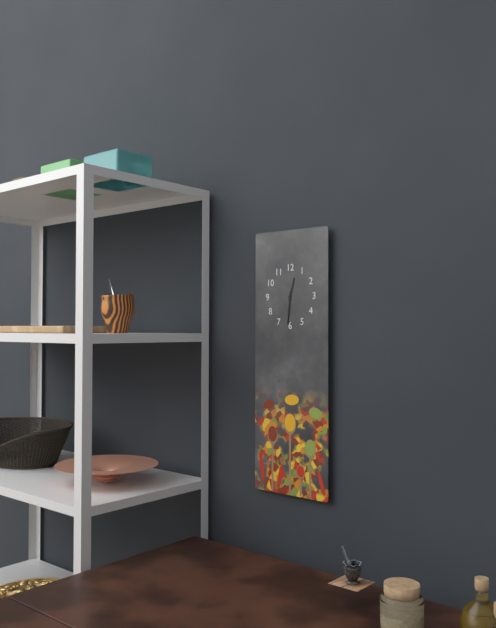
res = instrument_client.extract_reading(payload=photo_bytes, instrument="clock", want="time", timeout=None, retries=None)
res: 12:31
